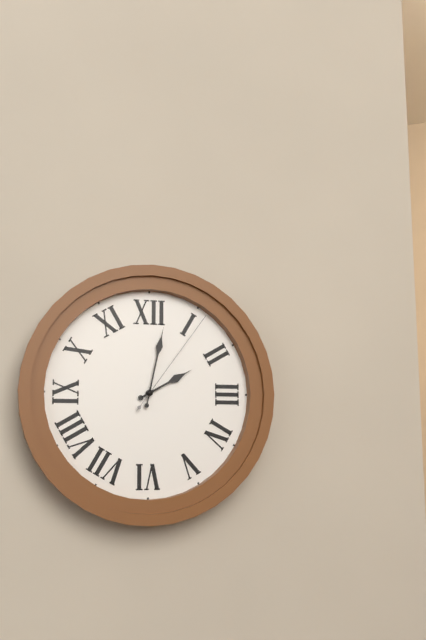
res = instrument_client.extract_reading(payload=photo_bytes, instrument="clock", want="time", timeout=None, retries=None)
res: 2:02:06
